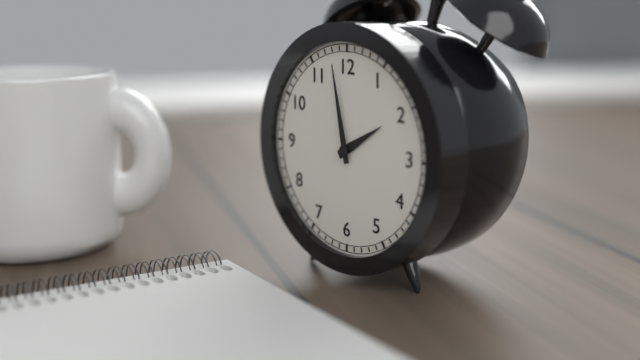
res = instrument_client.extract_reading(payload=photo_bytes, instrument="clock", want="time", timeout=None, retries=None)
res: 1:58
